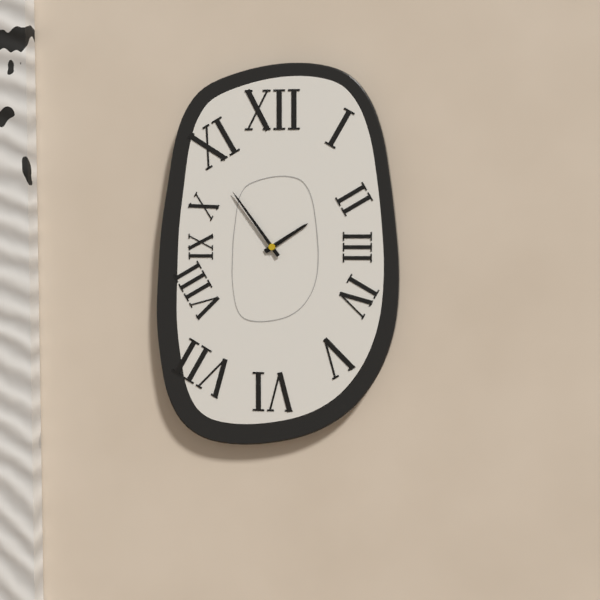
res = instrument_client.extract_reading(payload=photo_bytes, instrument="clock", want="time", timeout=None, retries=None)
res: 1:54
